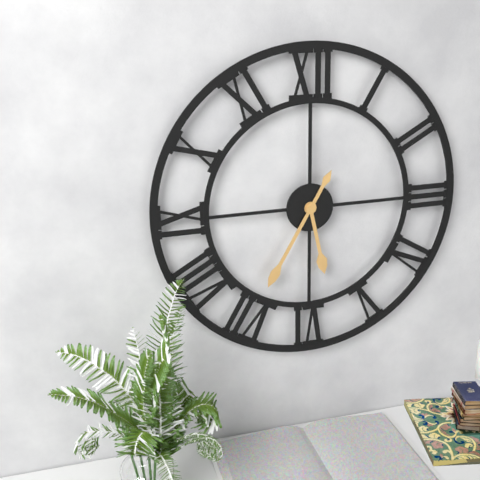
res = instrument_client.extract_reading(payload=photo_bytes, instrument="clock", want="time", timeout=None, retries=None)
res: 5:35
